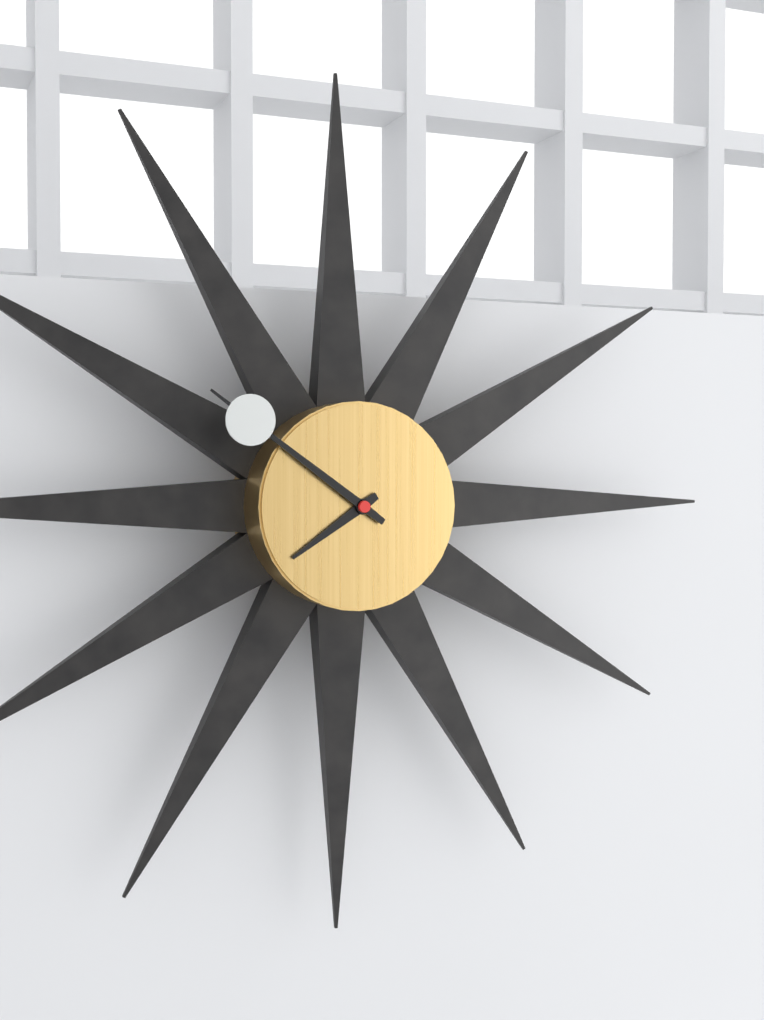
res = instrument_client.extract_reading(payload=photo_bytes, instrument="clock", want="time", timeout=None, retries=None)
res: 7:51
